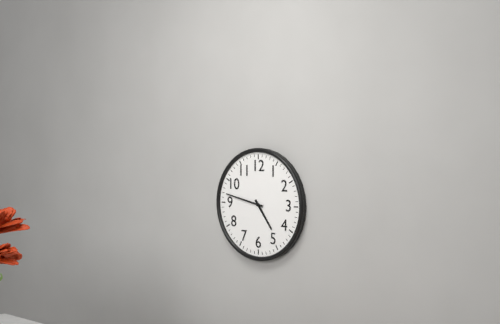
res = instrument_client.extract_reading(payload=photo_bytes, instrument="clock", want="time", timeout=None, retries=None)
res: 4:47
